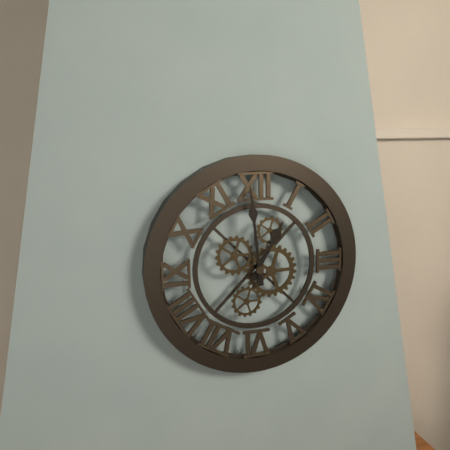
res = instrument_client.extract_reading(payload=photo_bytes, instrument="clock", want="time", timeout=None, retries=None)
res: 12:59
